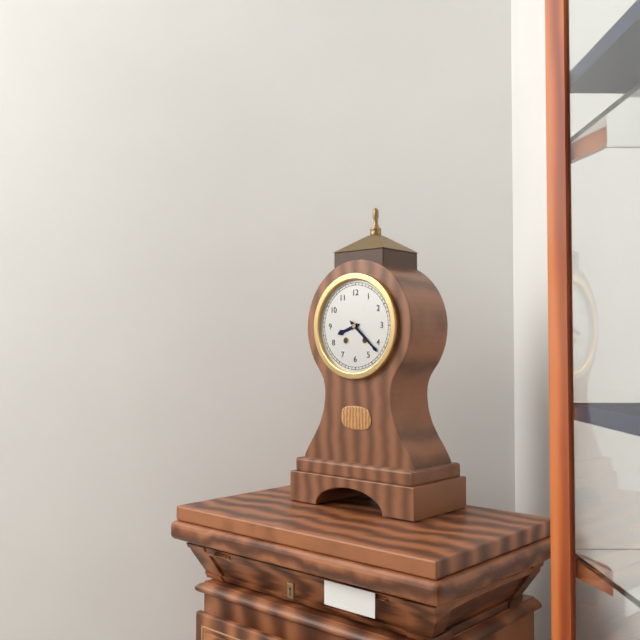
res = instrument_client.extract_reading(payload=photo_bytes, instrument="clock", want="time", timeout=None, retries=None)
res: 8:22
